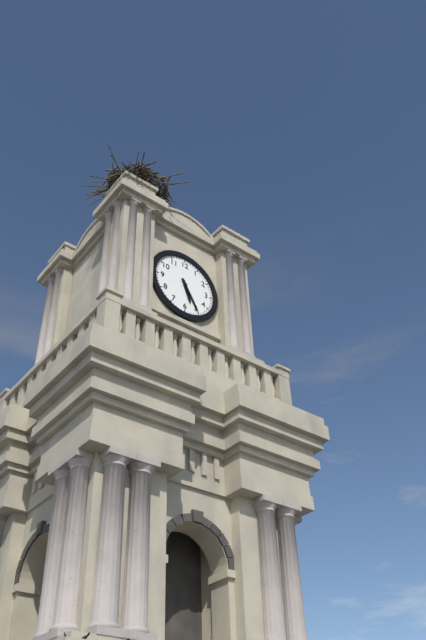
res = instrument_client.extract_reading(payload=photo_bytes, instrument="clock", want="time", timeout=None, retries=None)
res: 5:25
